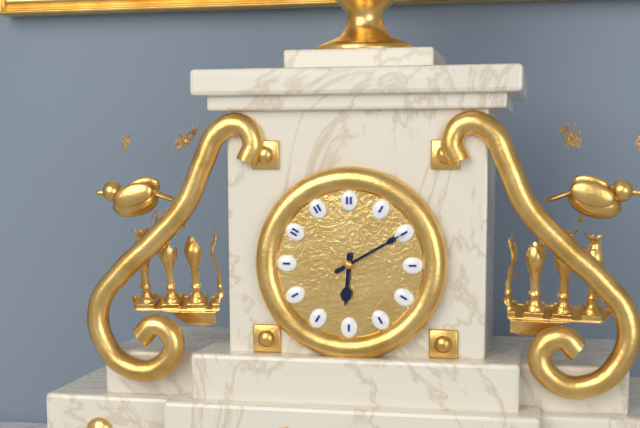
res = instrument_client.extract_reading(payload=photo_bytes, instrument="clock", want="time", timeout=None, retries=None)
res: 6:10
